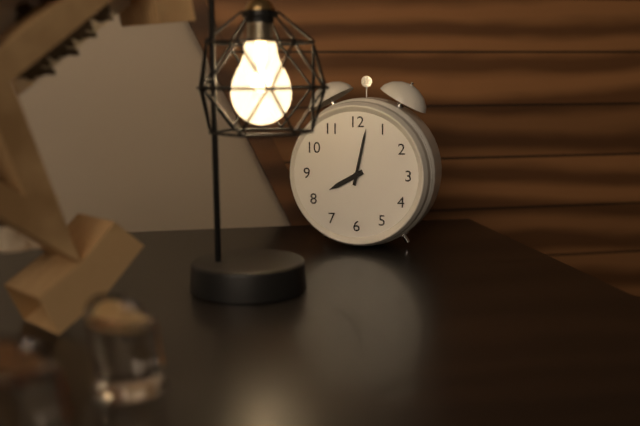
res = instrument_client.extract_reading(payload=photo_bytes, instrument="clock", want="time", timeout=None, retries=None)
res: 8:02
